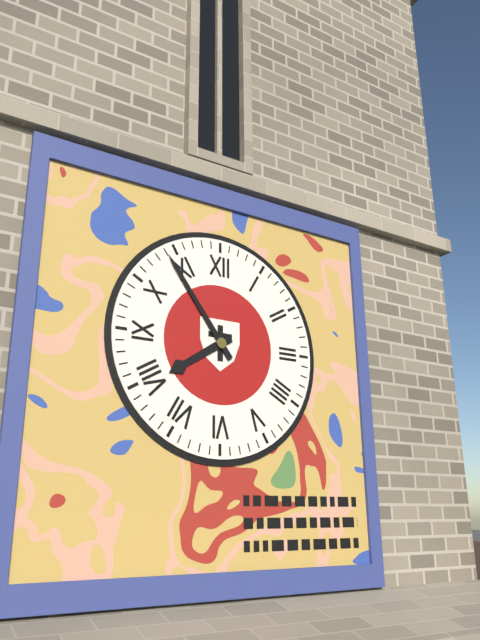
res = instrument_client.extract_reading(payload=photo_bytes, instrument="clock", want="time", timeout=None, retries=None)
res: 7:54
